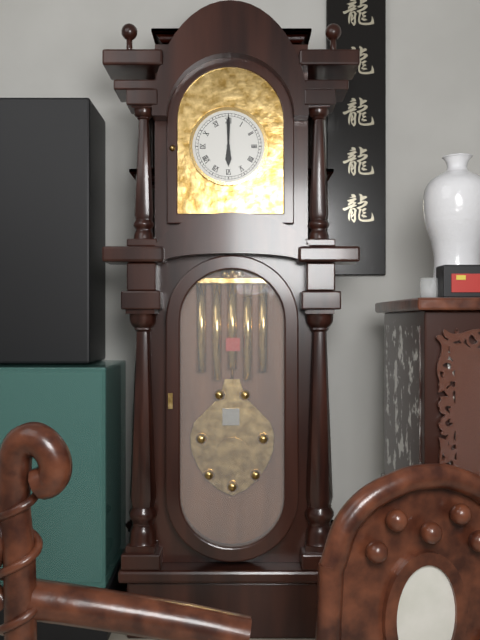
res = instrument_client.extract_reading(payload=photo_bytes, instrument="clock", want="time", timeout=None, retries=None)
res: 6:00
